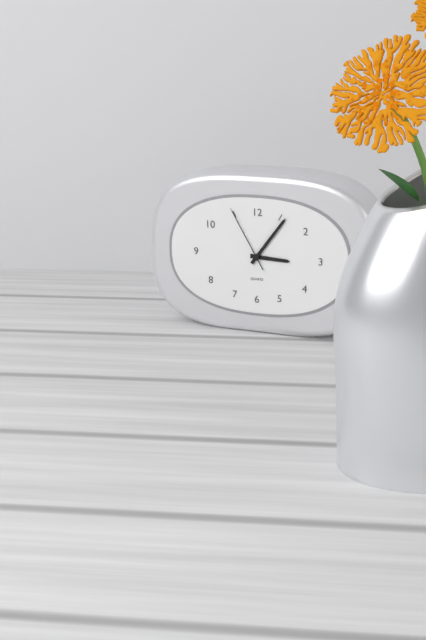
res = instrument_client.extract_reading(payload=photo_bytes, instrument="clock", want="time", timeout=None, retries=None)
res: 3:06:55
